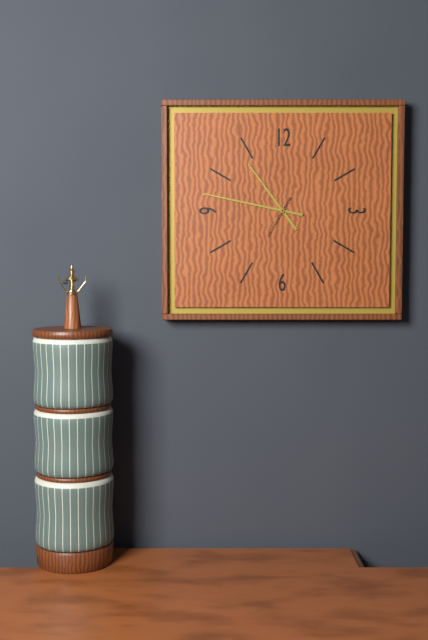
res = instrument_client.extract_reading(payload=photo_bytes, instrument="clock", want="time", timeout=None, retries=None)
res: 10:47
